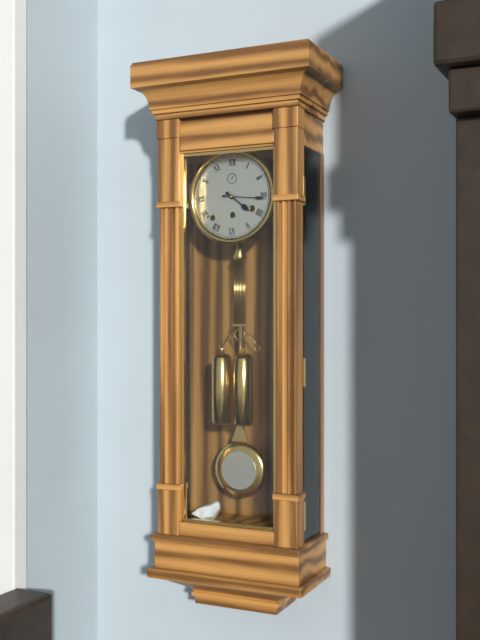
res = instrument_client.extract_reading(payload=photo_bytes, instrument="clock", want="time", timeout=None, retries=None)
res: 4:16
